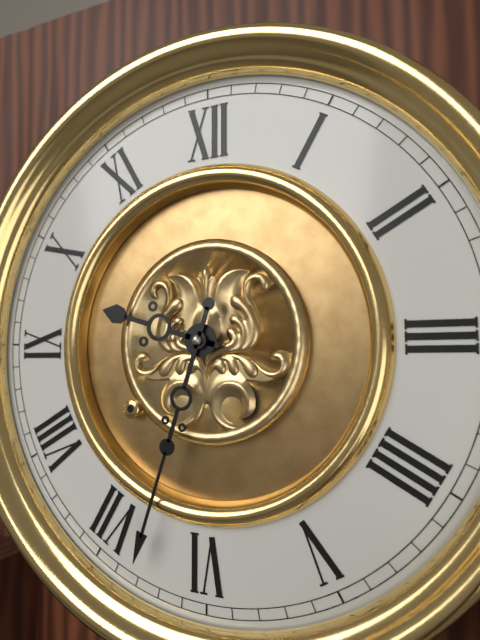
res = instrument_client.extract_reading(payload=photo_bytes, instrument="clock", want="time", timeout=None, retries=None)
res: 9:33
